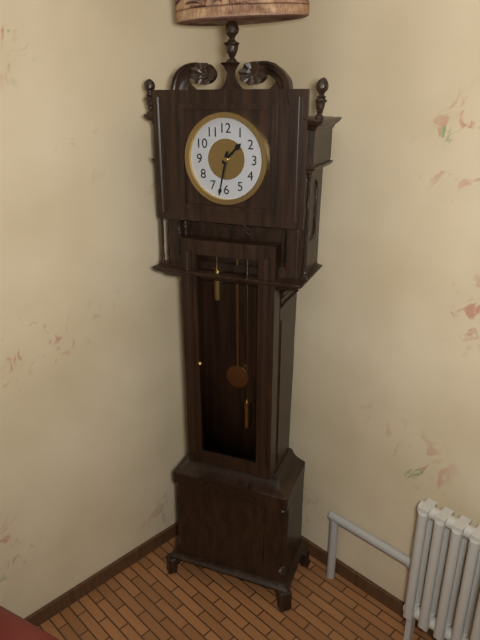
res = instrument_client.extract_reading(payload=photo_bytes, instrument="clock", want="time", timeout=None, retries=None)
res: 1:32
